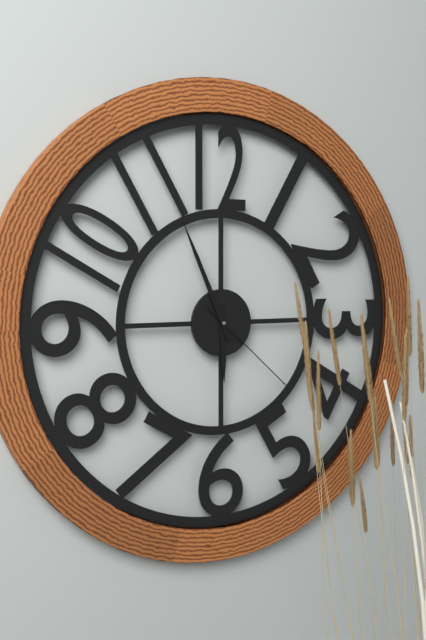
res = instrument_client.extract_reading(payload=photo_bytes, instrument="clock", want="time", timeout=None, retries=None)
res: 5:56:22
